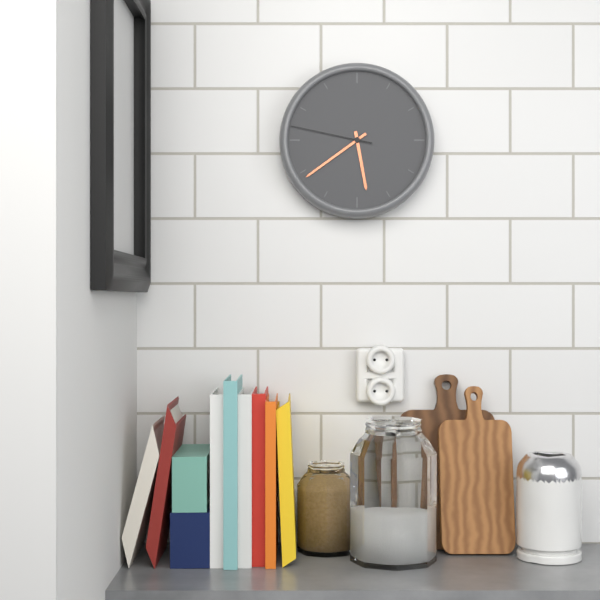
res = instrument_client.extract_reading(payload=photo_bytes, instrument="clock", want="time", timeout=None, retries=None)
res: 5:39:47
